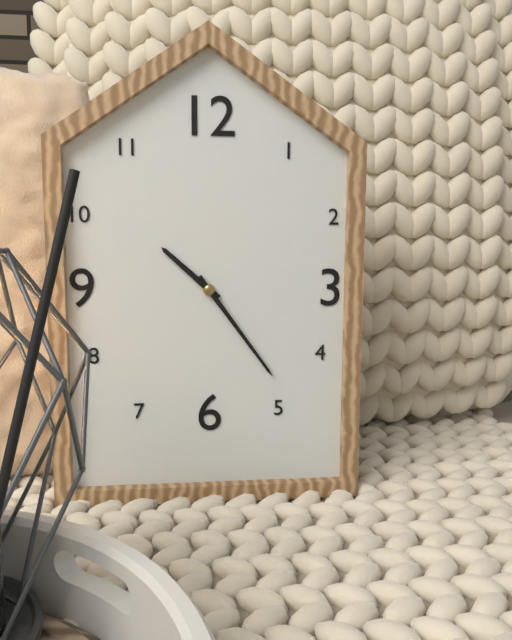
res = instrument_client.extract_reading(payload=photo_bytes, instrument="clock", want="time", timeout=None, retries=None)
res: 10:24
